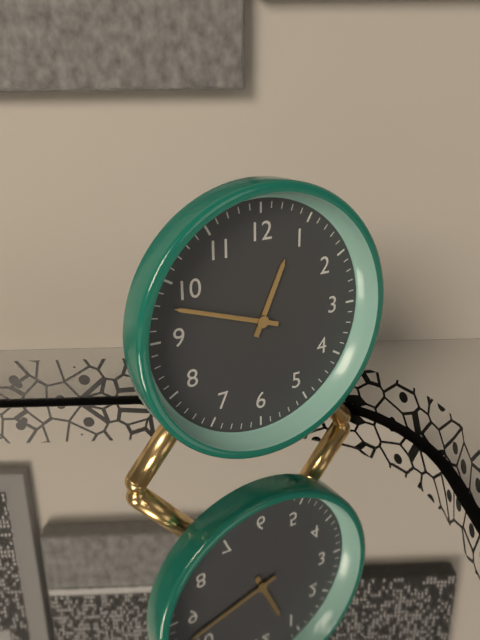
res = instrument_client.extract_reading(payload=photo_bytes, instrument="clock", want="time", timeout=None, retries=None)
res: 12:48
